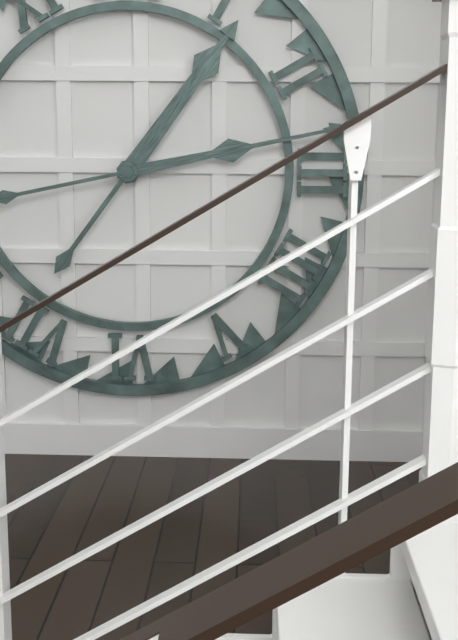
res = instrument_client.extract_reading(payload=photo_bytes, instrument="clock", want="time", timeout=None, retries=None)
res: 1:13
